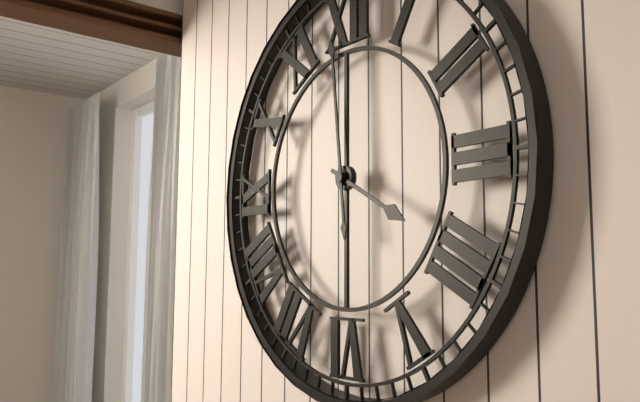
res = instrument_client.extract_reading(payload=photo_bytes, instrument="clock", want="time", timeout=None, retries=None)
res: 3:59
